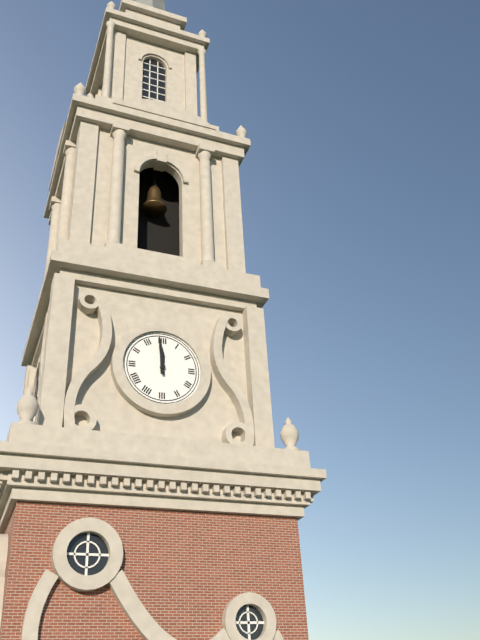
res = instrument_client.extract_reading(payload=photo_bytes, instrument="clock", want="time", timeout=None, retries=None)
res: 11:59
